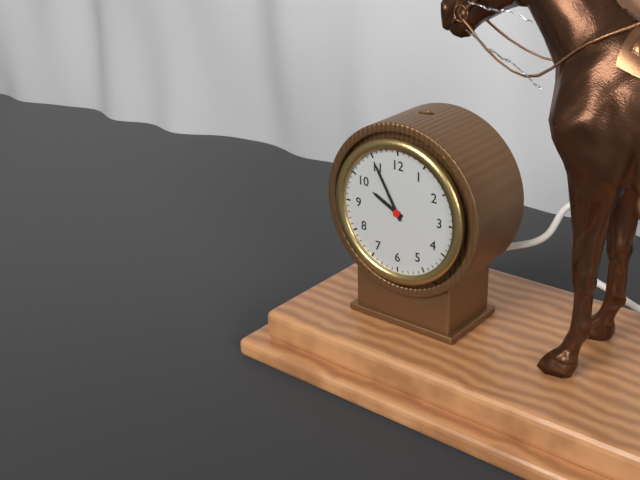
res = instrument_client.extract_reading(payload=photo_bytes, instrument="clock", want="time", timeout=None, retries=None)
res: 9:55
